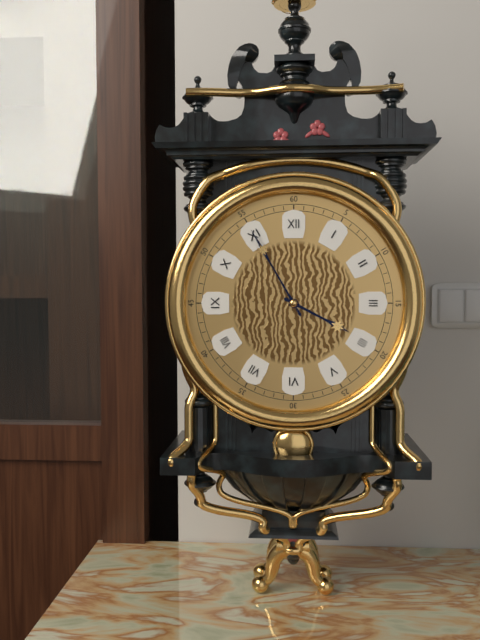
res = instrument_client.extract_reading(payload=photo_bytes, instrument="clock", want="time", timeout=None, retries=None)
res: 3:55
